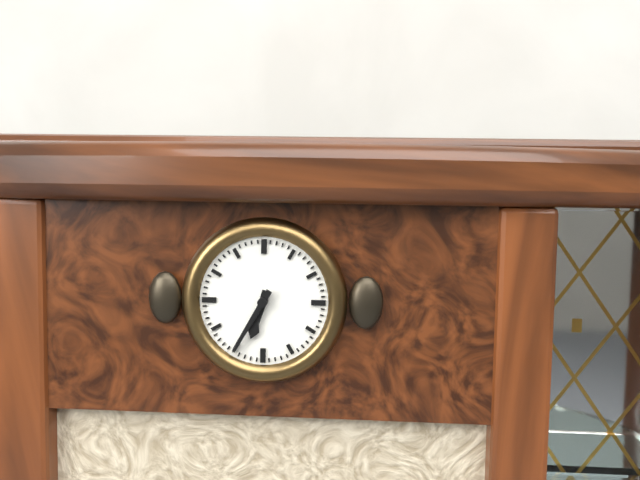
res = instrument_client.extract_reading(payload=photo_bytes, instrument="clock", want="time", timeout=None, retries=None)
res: 6:35
